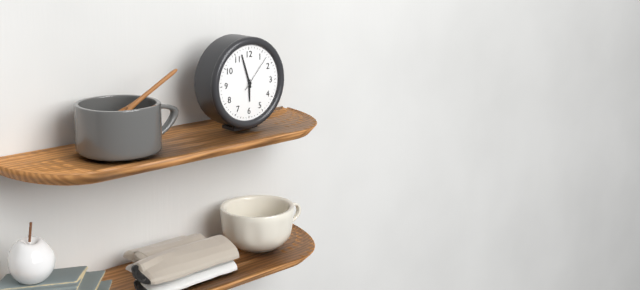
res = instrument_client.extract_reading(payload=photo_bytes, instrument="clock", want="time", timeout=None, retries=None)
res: 5:57
